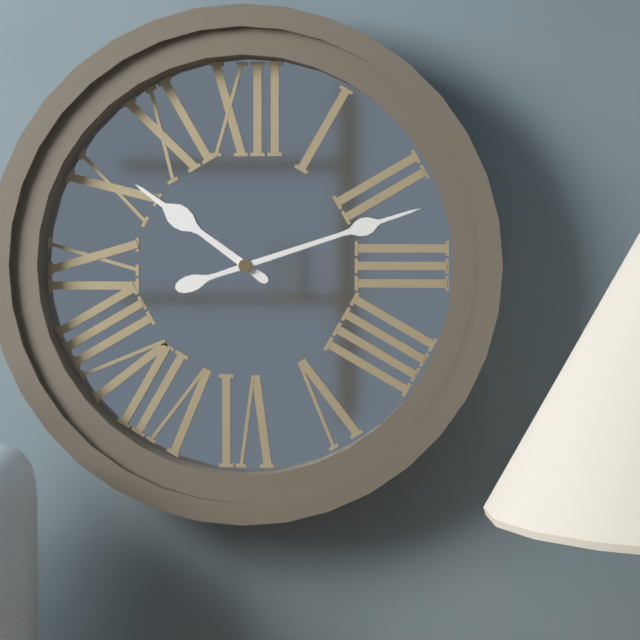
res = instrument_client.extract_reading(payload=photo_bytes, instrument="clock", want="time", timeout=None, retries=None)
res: 10:12
